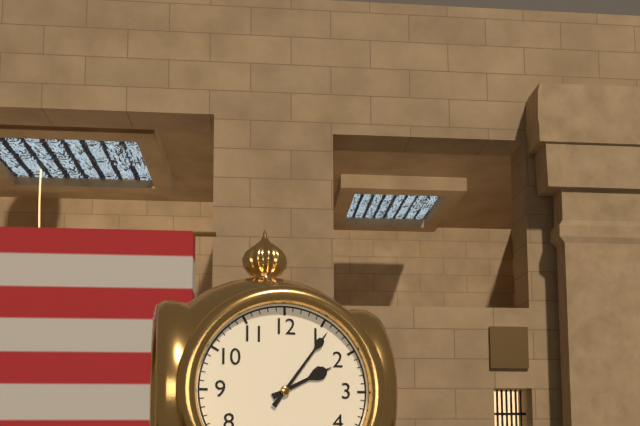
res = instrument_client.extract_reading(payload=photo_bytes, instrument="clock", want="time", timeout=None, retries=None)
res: 2:06
